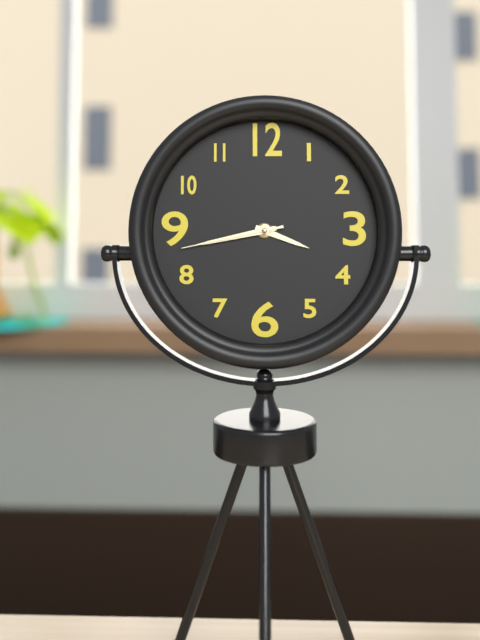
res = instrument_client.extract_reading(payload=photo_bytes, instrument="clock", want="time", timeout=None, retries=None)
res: 3:43:43
